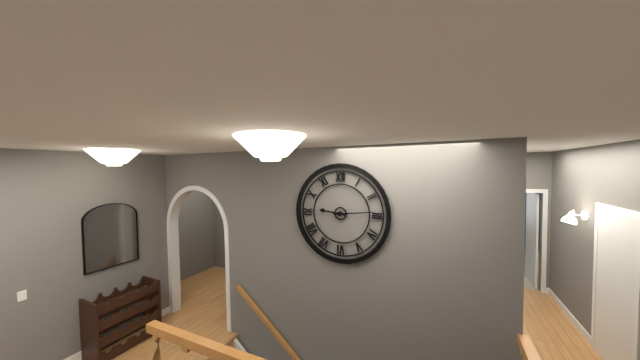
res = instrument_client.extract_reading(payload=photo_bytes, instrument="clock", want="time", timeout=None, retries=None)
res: 9:14
